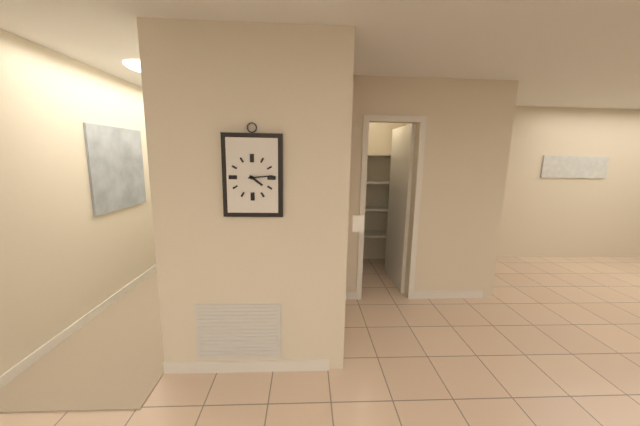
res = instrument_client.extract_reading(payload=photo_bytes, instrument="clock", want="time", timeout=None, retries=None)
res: 4:14
